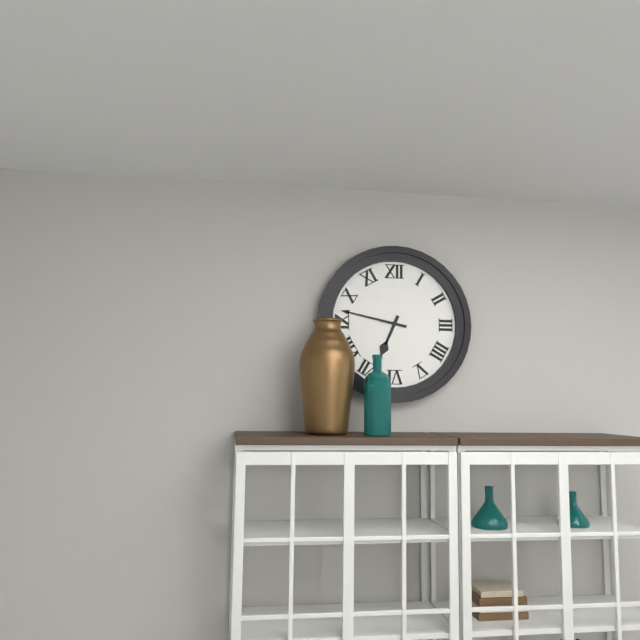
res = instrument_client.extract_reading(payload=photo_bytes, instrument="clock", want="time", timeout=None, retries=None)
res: 6:47
